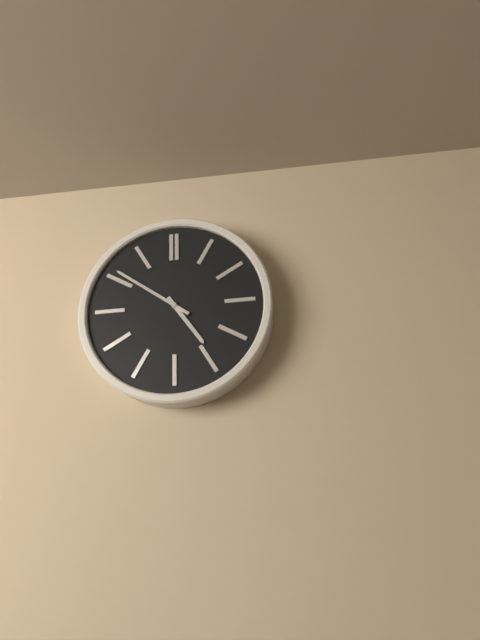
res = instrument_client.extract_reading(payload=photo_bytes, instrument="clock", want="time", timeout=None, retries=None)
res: 4:51
